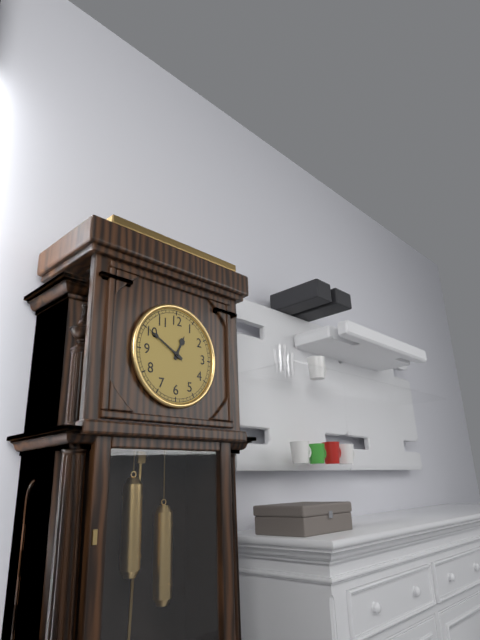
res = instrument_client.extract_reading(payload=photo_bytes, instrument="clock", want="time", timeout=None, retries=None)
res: 12:50
